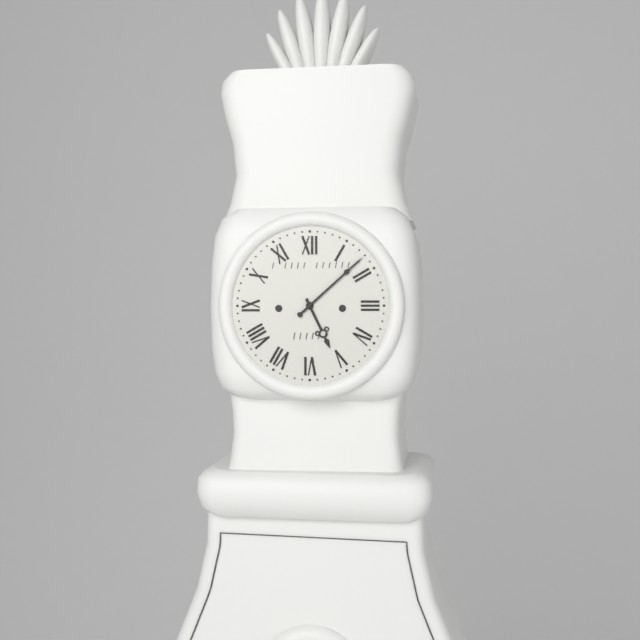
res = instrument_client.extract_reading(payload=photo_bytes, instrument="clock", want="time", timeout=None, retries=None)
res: 5:08
